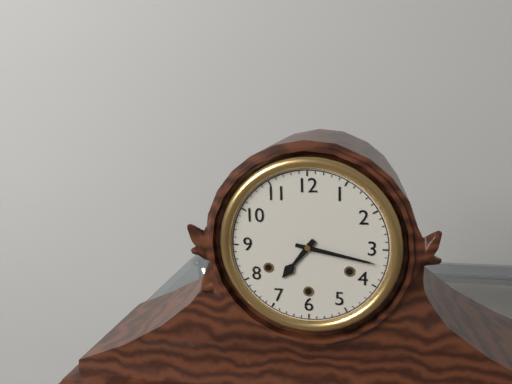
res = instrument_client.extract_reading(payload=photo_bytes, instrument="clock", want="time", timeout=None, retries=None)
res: 7:17
